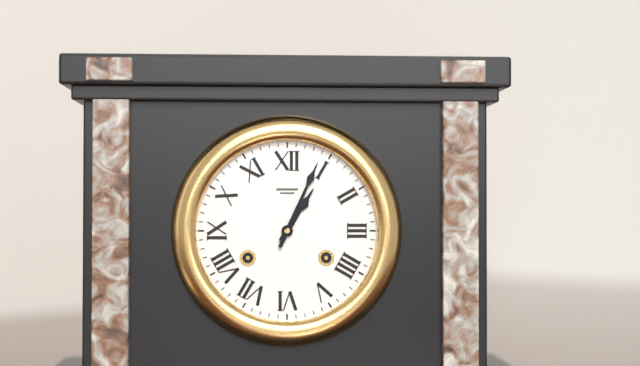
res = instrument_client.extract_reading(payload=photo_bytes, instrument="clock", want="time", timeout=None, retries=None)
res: 1:04
